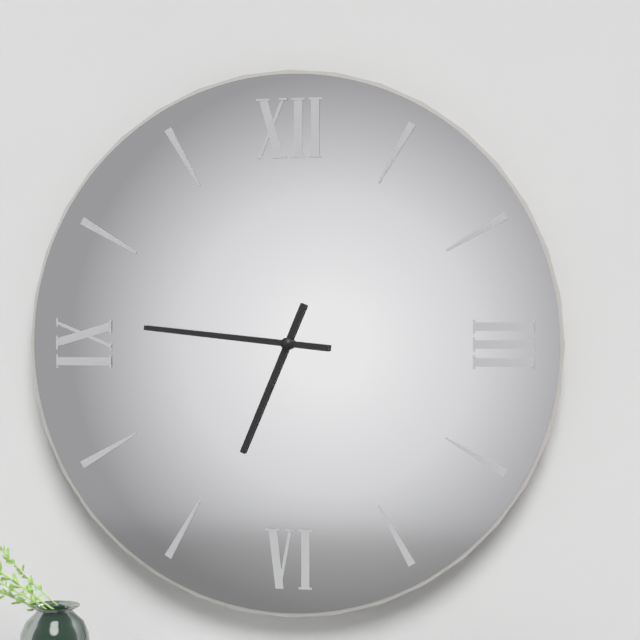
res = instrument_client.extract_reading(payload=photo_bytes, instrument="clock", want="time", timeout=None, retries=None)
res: 6:46
